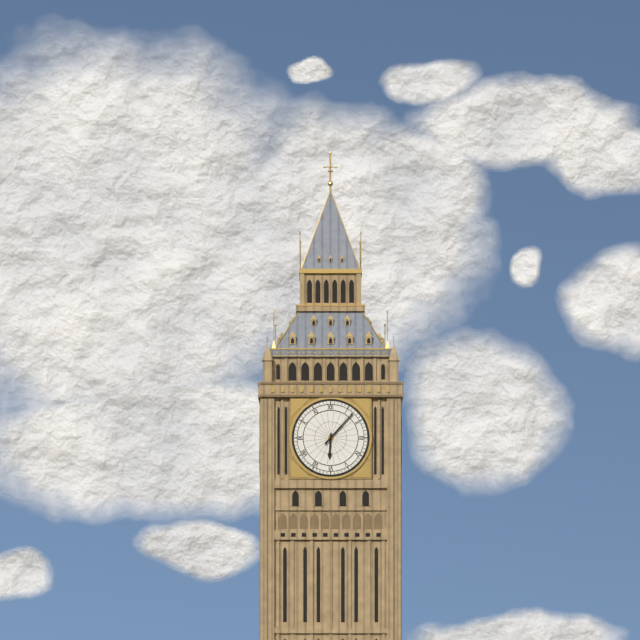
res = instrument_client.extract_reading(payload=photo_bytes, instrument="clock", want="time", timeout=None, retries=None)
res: 6:07
